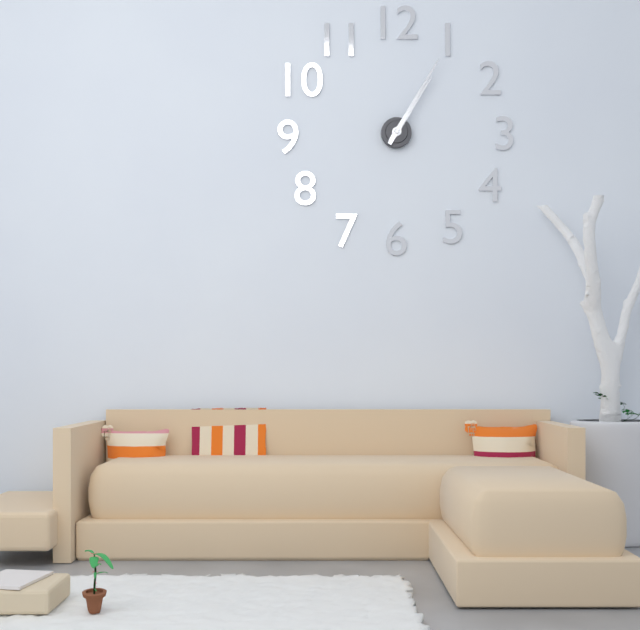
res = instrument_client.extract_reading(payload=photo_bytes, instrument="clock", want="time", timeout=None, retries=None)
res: 1:05
